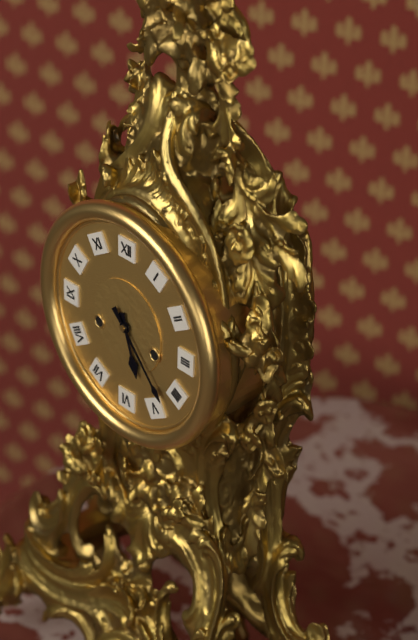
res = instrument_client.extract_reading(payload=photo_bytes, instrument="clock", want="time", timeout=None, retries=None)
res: 5:23
